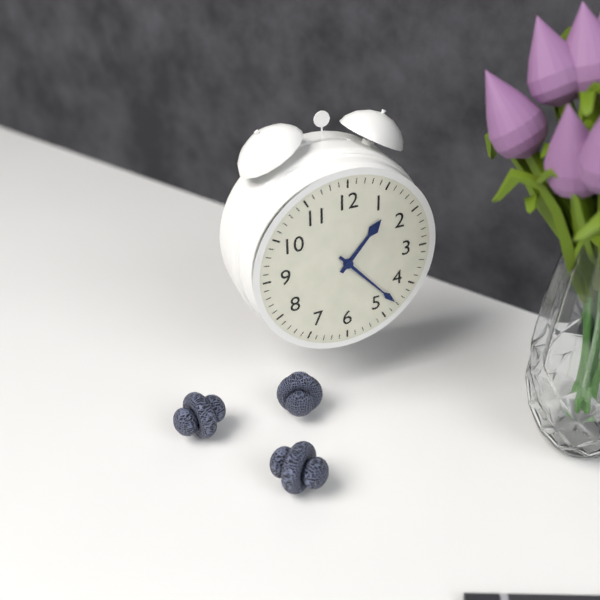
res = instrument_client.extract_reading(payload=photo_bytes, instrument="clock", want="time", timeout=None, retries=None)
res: 1:23
